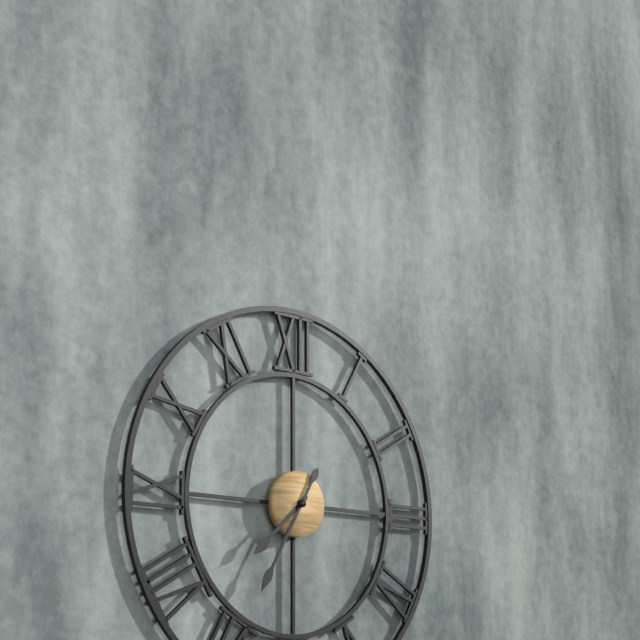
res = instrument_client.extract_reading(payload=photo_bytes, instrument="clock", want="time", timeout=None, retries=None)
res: 7:35
